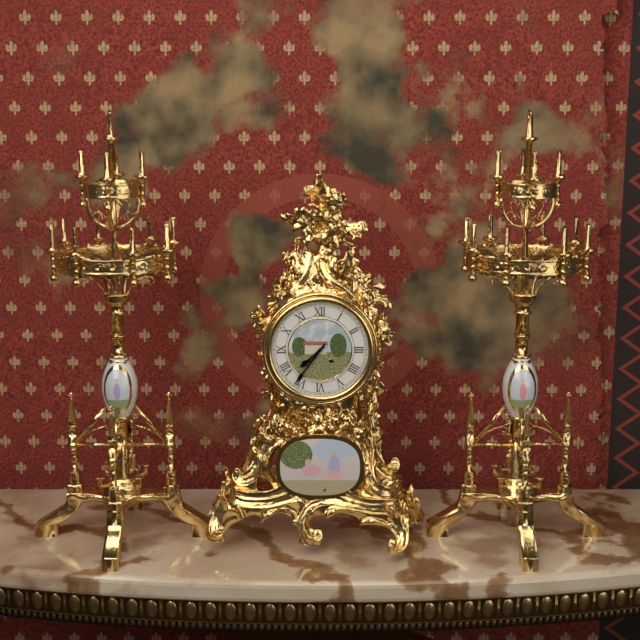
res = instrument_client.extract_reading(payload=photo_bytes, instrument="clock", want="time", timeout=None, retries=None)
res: 7:36
